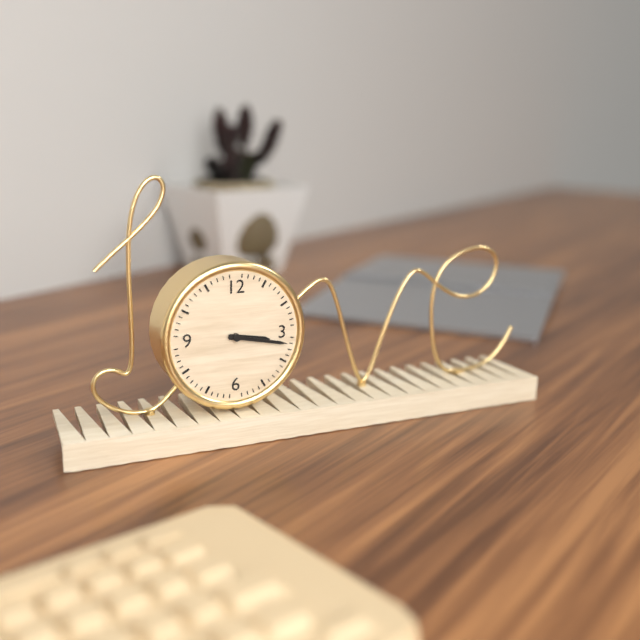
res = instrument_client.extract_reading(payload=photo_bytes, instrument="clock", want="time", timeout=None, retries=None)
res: 3:17
